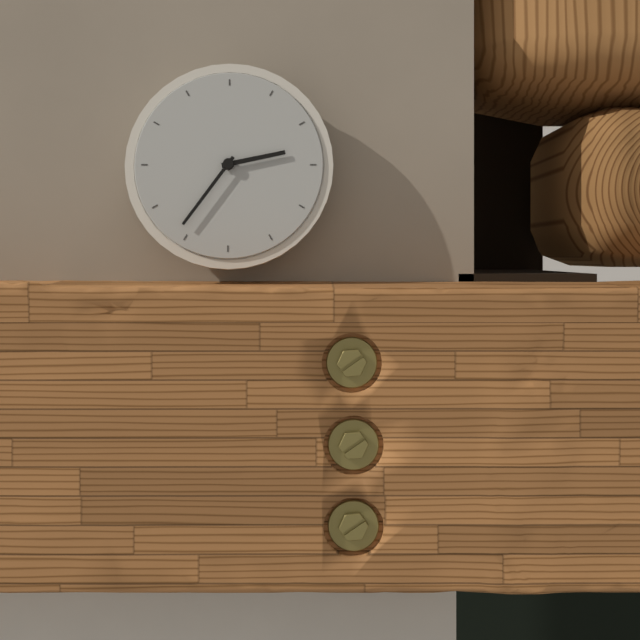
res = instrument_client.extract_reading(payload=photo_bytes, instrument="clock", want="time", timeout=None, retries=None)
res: 2:36
